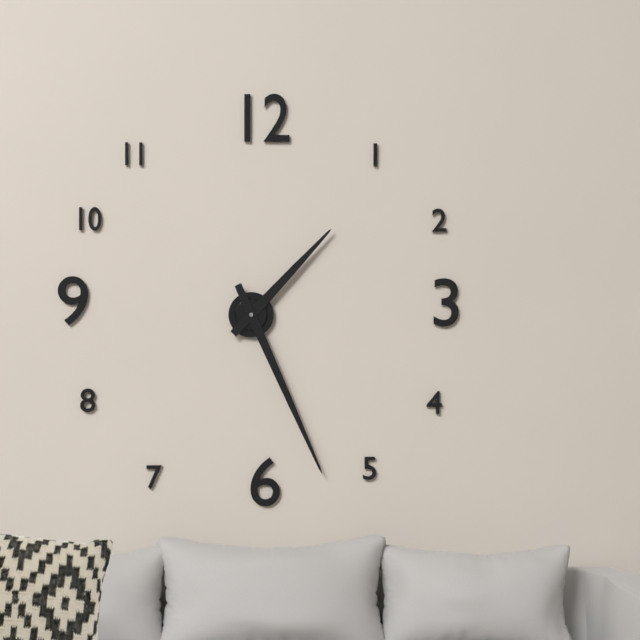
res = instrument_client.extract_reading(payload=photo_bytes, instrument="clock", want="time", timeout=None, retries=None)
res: 1:26
